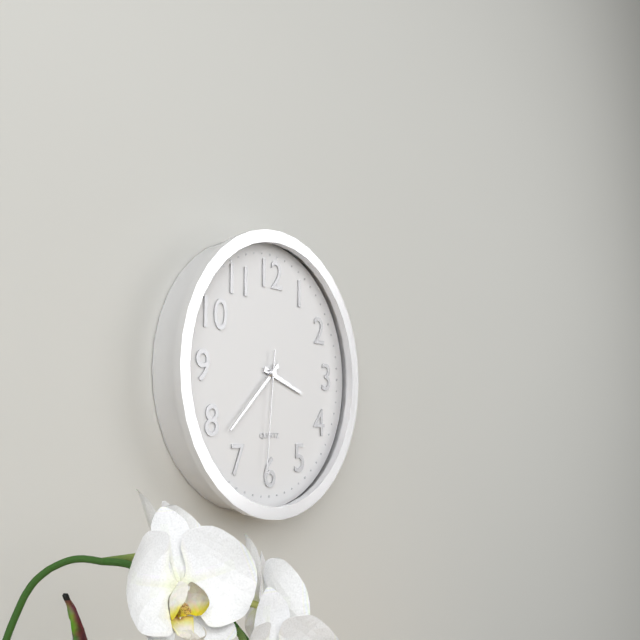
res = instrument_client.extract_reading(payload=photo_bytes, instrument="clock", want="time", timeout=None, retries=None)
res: 3:38:31
